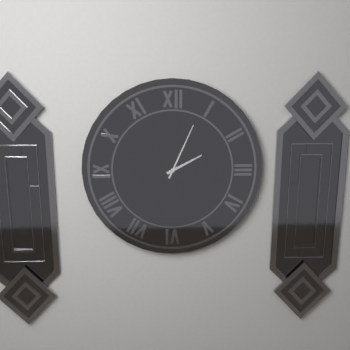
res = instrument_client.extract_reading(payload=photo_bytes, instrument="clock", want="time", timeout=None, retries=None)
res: 2:04
